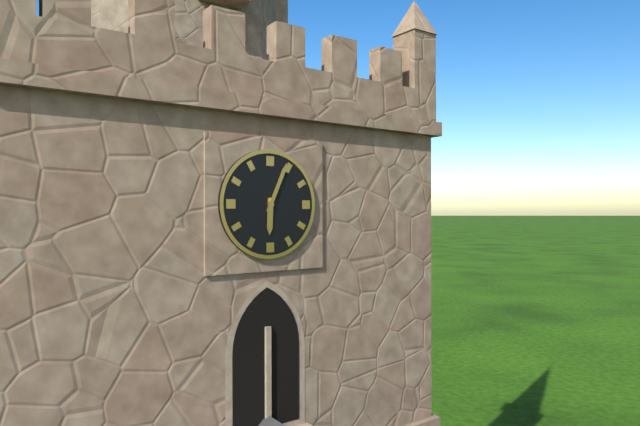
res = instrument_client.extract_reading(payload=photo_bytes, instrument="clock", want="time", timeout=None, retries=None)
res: 6:04
